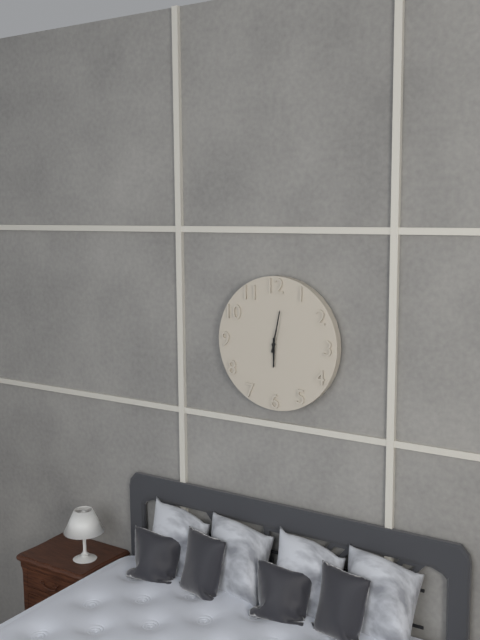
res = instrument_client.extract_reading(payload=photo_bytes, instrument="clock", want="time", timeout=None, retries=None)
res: 6:02
